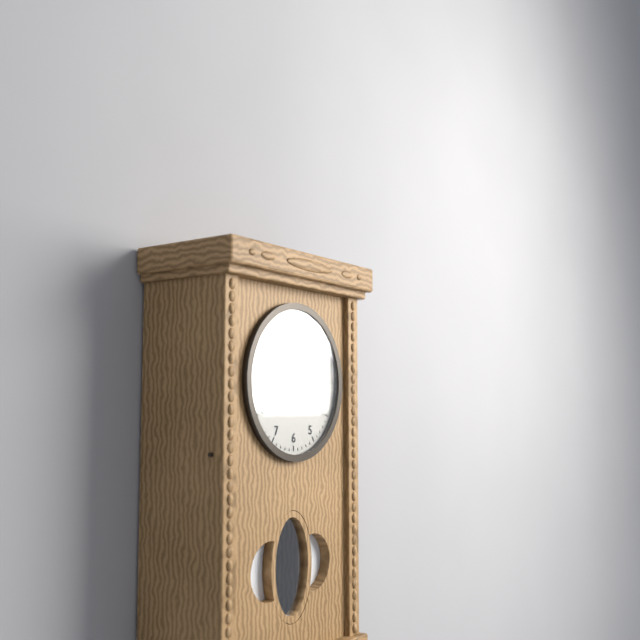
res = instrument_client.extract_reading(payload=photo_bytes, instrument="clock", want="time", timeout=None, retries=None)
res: 2:00
